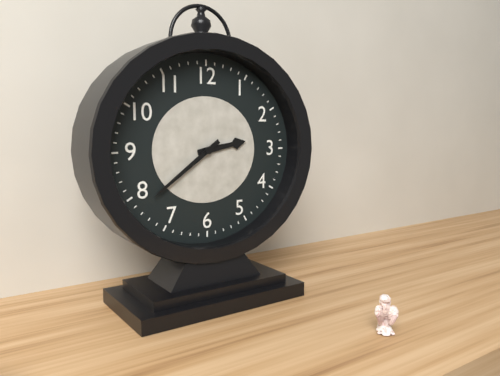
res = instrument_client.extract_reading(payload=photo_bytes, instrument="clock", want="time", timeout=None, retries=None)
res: 2:39
